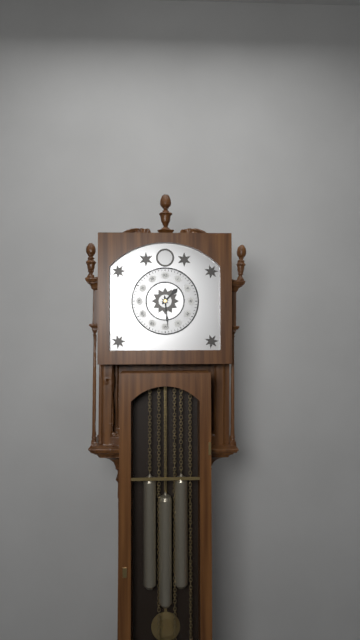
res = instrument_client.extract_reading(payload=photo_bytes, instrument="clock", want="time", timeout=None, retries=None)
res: 1:29
